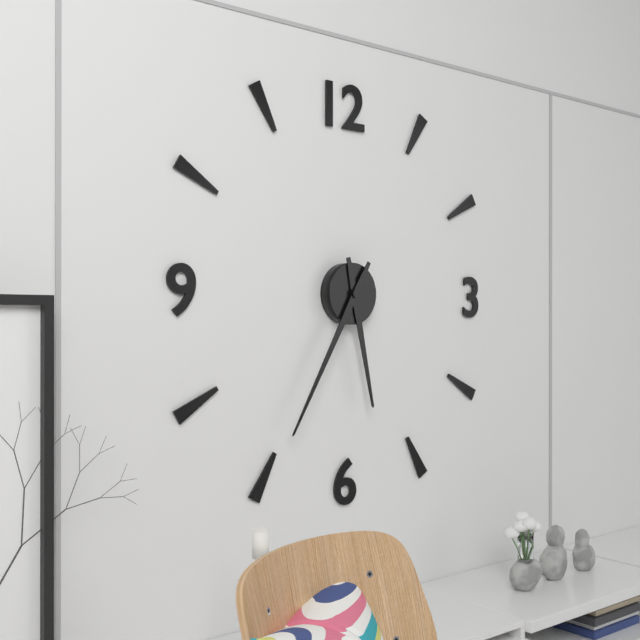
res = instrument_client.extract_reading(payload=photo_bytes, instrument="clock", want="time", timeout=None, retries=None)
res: 5:35
